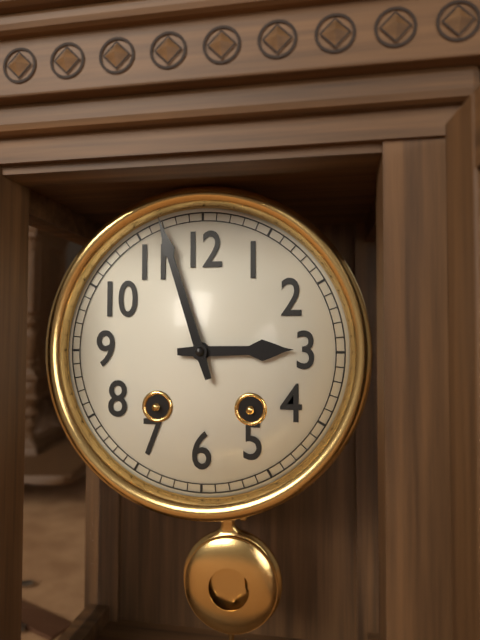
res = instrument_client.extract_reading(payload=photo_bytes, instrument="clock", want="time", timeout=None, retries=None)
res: 2:57
